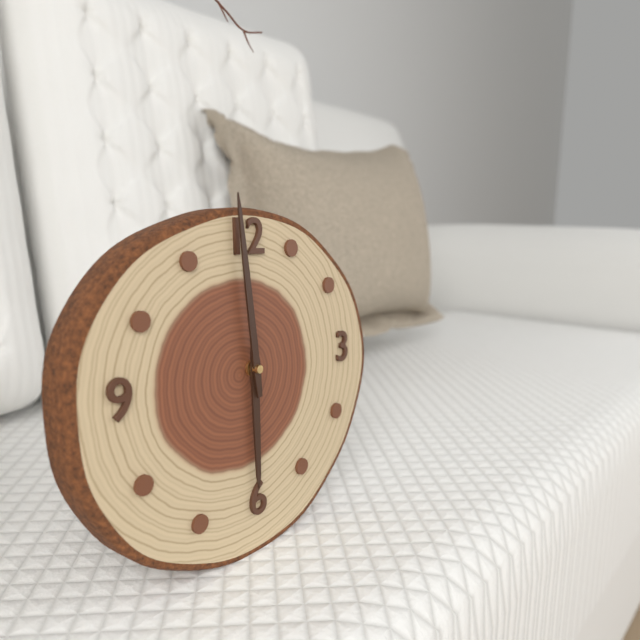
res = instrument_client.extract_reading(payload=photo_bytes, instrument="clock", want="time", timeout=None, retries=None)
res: 5:59
